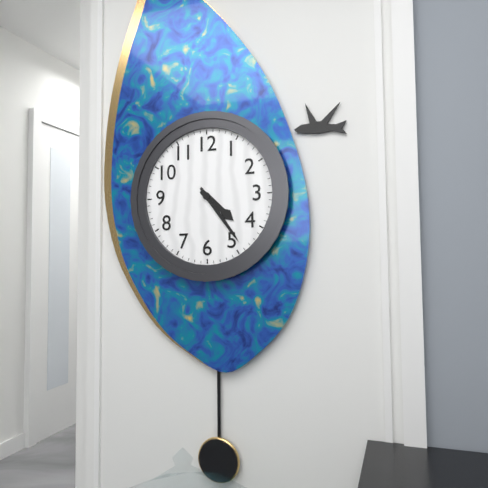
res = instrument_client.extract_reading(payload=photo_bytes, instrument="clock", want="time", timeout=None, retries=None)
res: 4:24
